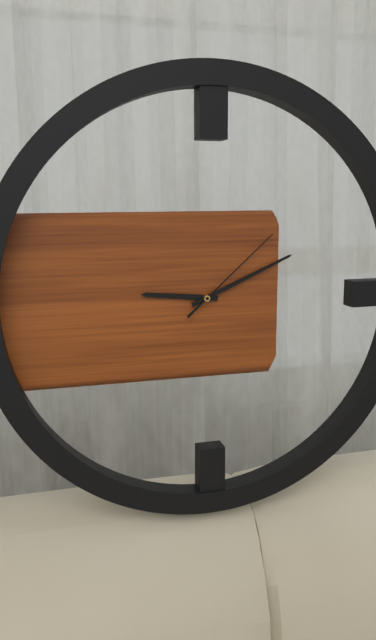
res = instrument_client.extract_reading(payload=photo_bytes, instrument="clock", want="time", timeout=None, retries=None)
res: 9:11:08
